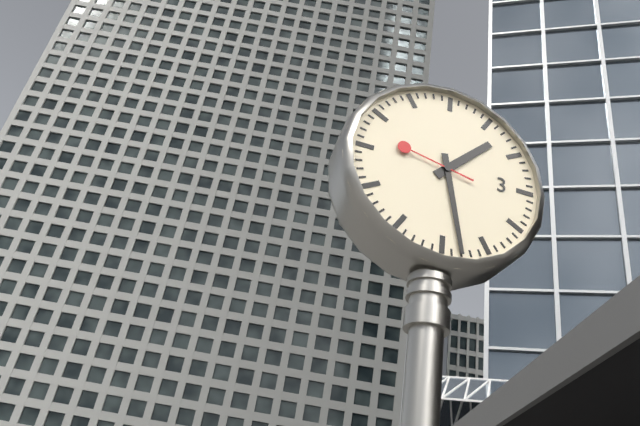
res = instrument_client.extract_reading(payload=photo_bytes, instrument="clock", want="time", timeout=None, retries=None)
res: 1:28:47
